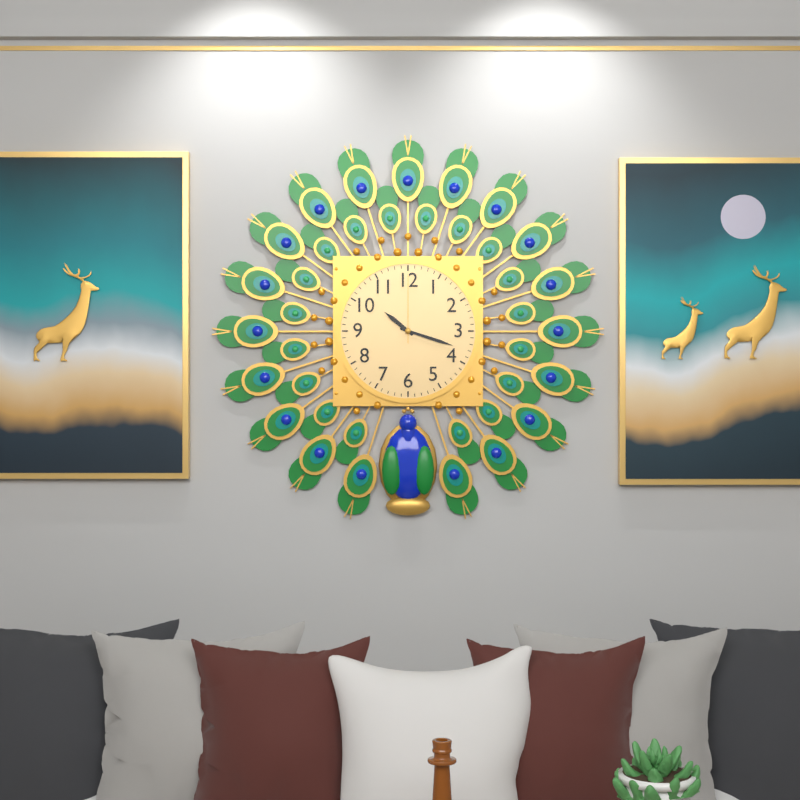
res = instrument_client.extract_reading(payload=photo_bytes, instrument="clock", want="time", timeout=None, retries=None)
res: 10:18:00
